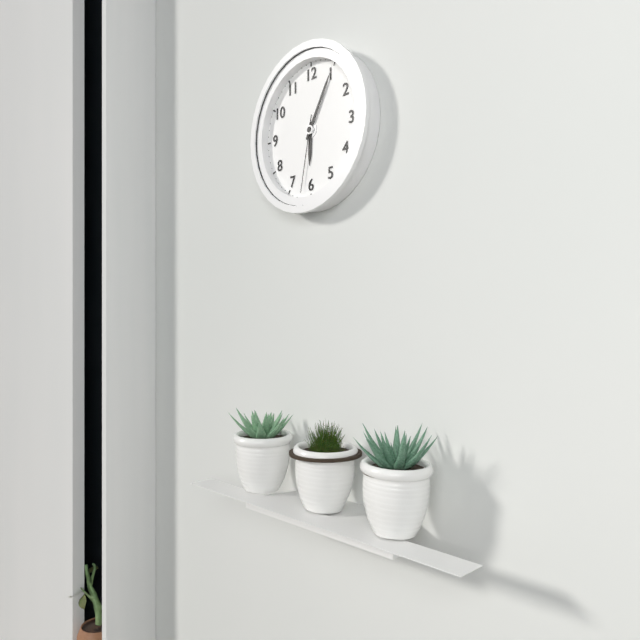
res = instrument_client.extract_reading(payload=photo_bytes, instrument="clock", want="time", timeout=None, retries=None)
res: 6:05:32
